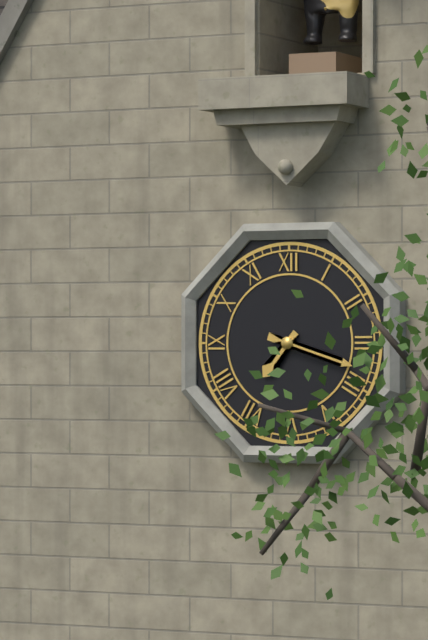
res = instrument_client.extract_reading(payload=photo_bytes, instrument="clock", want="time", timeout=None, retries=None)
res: 7:18
